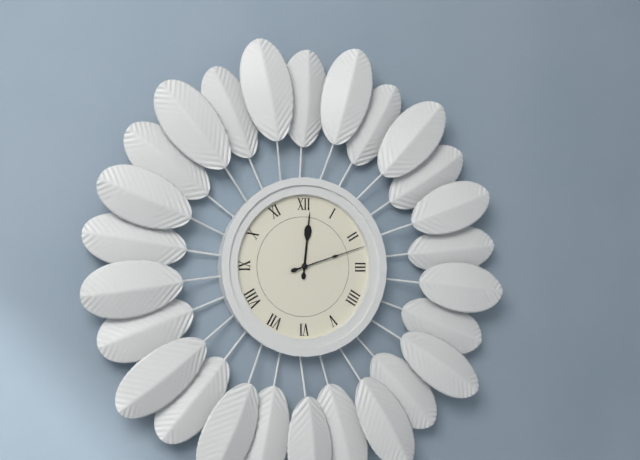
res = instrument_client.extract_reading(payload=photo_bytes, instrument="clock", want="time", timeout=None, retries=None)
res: 12:12
